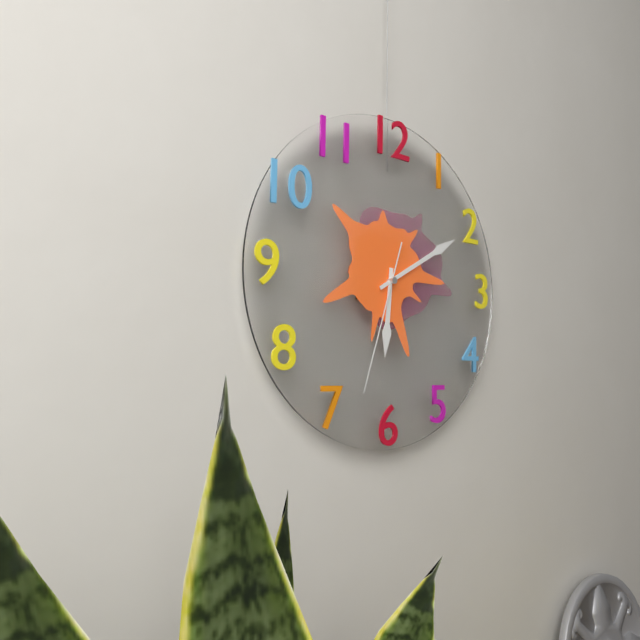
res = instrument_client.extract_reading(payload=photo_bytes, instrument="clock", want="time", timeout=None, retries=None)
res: 6:10:33
